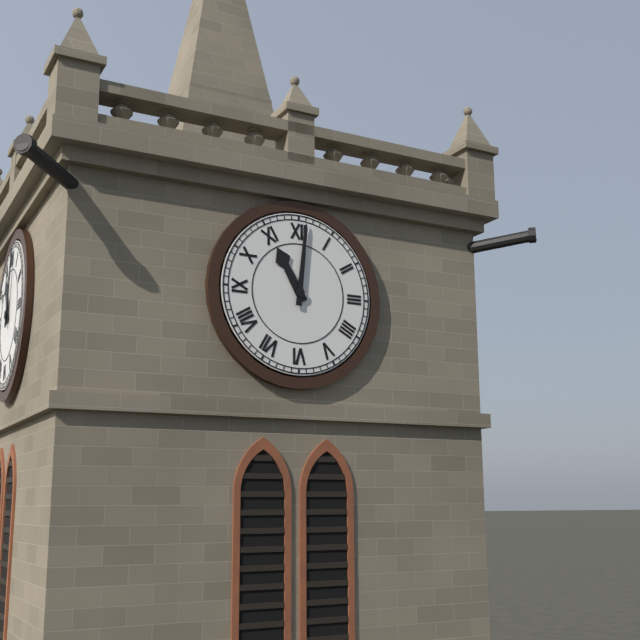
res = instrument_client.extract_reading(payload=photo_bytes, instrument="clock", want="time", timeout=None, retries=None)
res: 11:01
